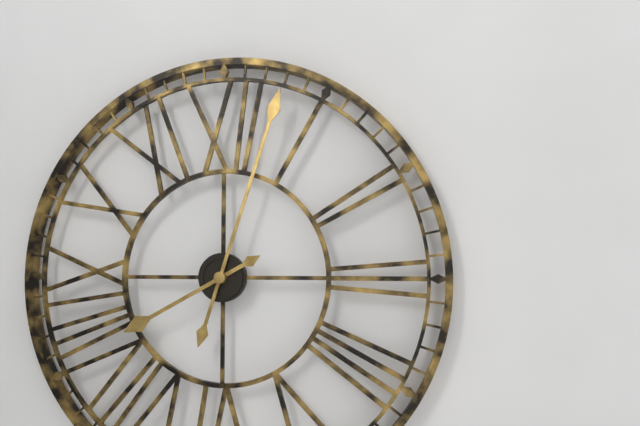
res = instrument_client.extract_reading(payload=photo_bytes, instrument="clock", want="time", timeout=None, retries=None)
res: 8:03
